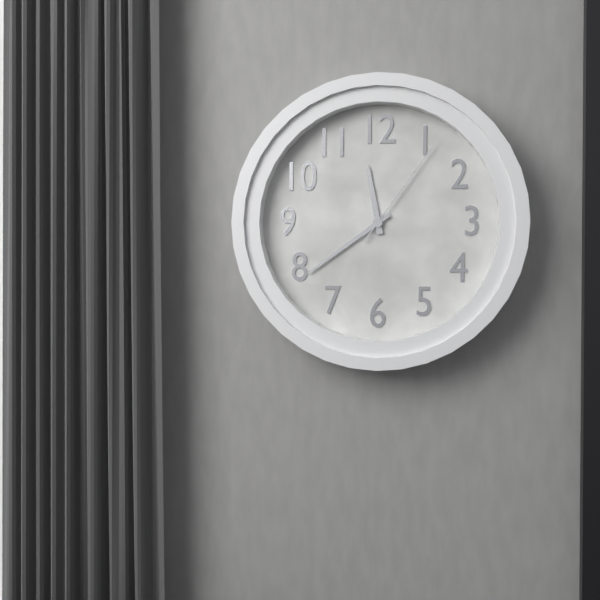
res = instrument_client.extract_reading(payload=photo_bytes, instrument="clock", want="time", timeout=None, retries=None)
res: 11:39:06
